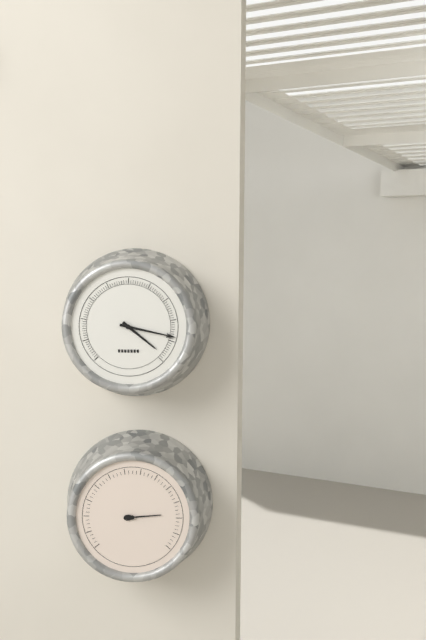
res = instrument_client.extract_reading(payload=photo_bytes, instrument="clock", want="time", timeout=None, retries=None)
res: 4:17
